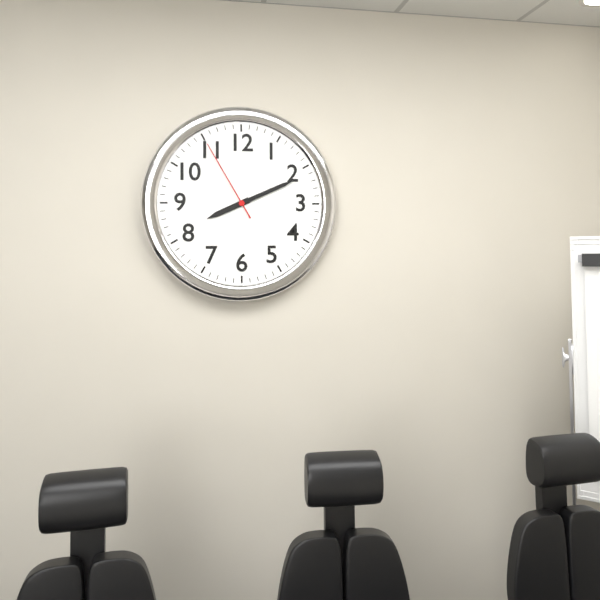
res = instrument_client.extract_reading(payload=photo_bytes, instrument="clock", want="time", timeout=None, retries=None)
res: 8:11:55
